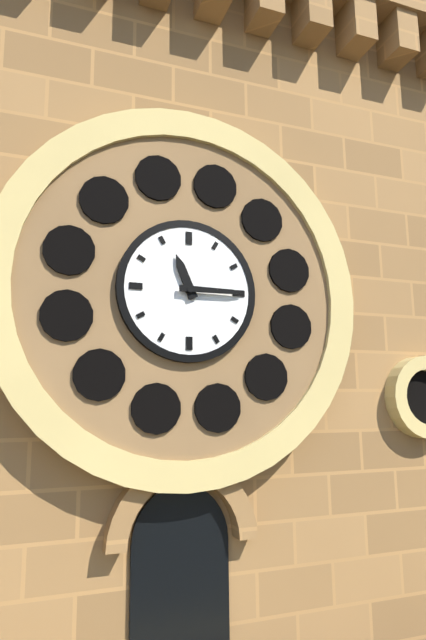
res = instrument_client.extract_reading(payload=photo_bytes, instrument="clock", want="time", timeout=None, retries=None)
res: 11:15
